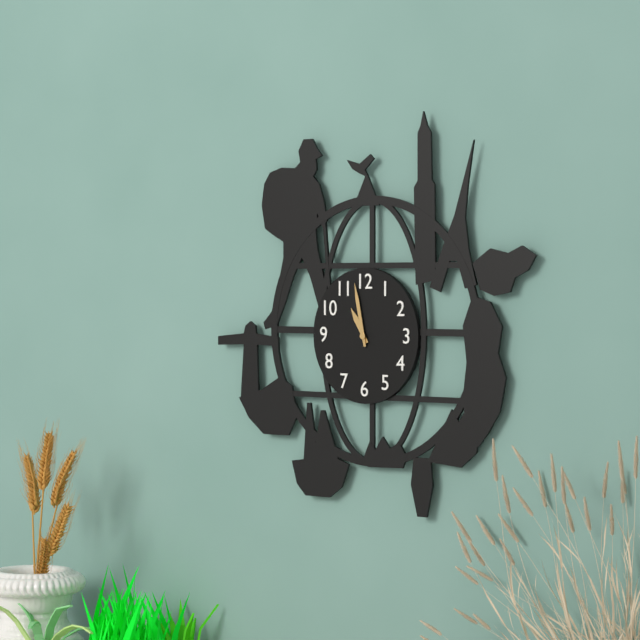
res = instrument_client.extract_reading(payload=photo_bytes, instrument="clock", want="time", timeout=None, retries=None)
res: 10:58
